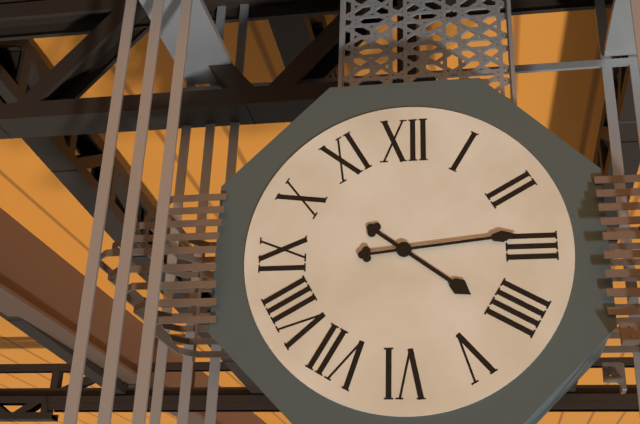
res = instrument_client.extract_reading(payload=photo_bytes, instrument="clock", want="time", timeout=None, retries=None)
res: 4:14
